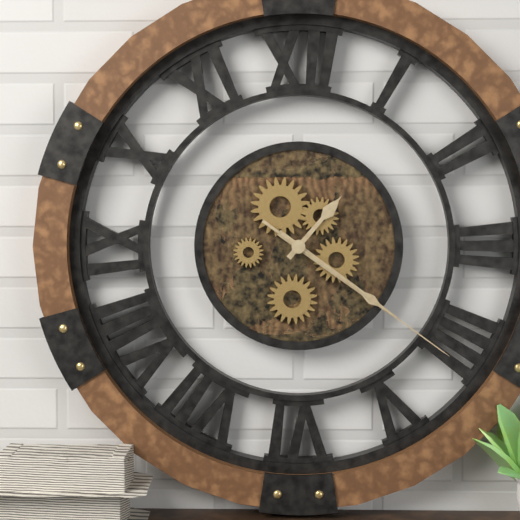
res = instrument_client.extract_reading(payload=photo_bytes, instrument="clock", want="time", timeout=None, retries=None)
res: 1:21:21
